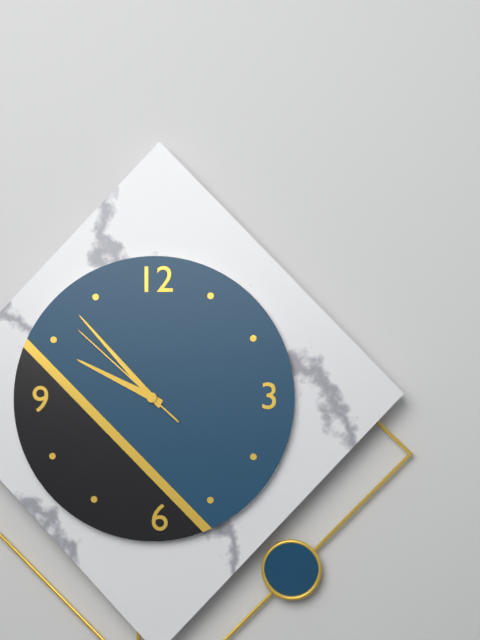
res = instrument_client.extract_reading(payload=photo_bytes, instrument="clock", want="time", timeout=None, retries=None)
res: 9:53:52
